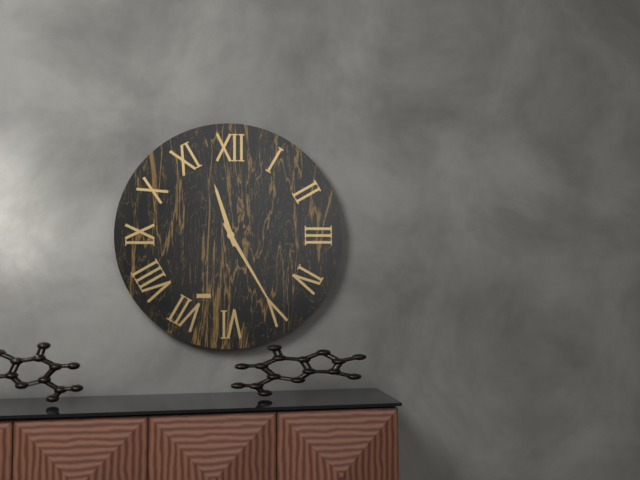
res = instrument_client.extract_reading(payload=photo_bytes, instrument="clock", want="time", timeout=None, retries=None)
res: 11:25
